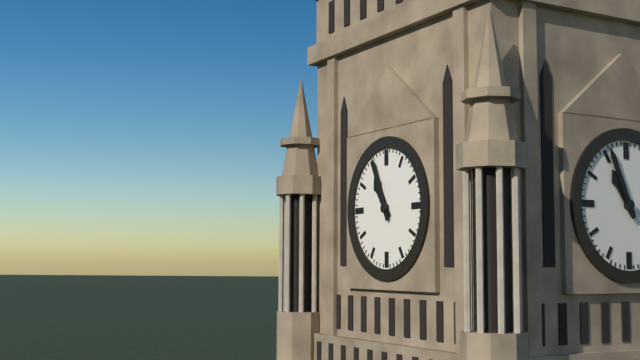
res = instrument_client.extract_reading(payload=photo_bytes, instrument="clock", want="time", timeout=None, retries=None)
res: 10:56
